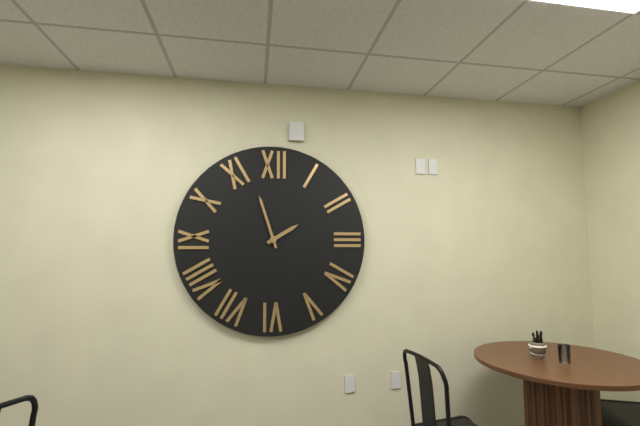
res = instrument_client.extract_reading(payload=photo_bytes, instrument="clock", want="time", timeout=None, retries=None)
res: 1:57
